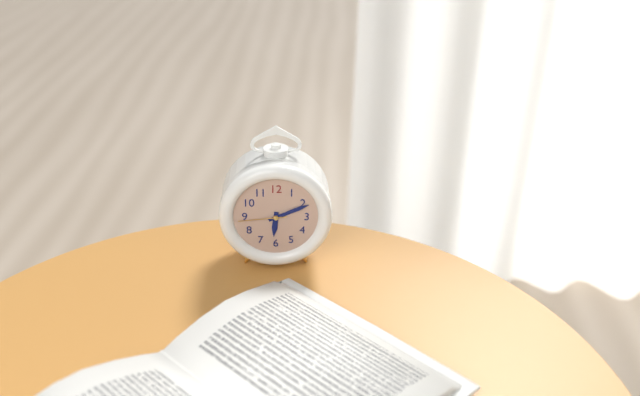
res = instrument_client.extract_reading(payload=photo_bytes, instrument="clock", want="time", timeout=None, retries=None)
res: 6:11
